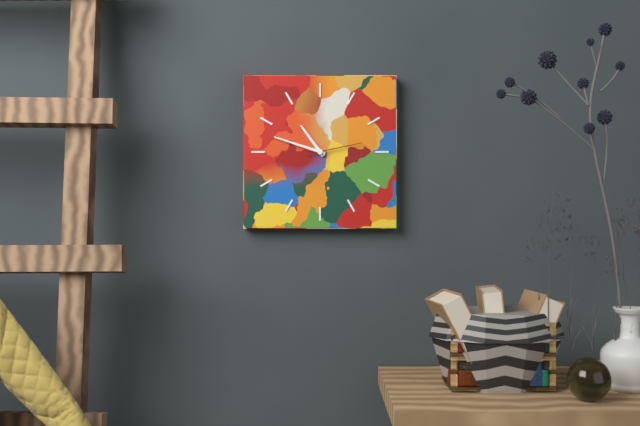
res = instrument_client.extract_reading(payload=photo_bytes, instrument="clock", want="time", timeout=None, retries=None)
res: 10:48:13
